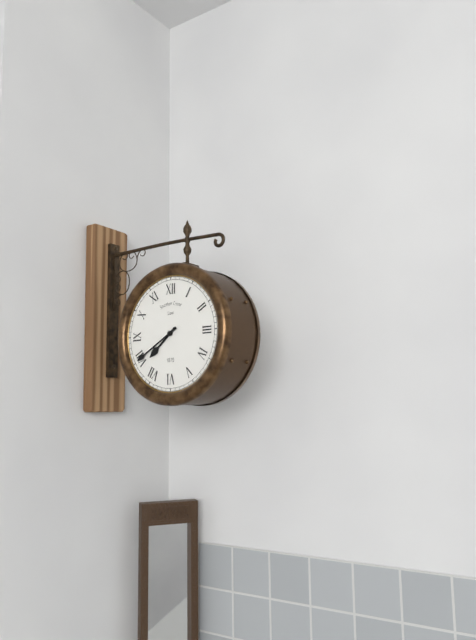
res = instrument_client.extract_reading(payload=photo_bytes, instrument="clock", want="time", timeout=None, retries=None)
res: 7:40
